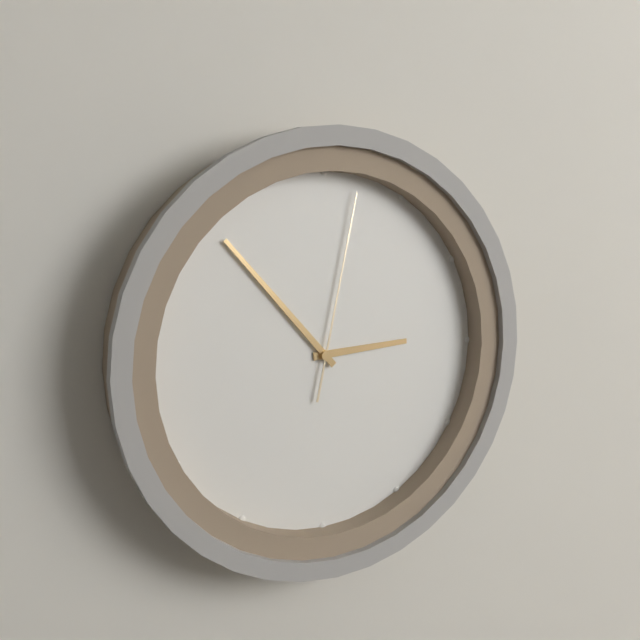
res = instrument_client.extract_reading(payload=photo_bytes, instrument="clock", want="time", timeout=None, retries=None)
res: 2:53:02
